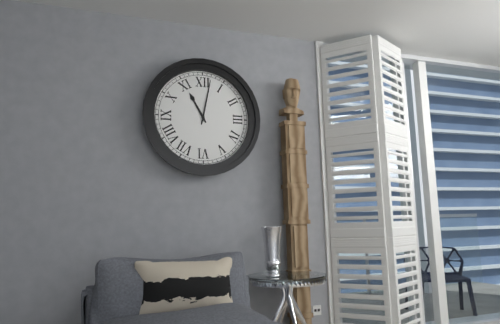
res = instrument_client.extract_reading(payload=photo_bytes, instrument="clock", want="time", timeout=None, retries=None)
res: 11:02
